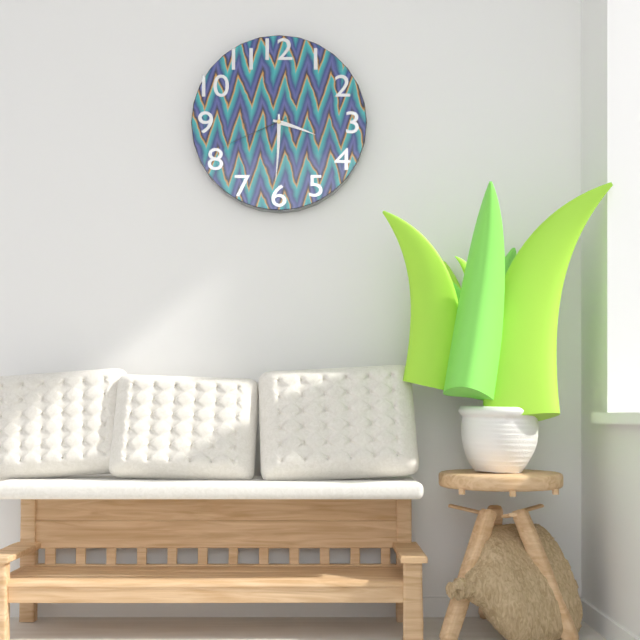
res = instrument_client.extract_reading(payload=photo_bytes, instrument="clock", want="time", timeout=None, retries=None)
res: 3:30:41
